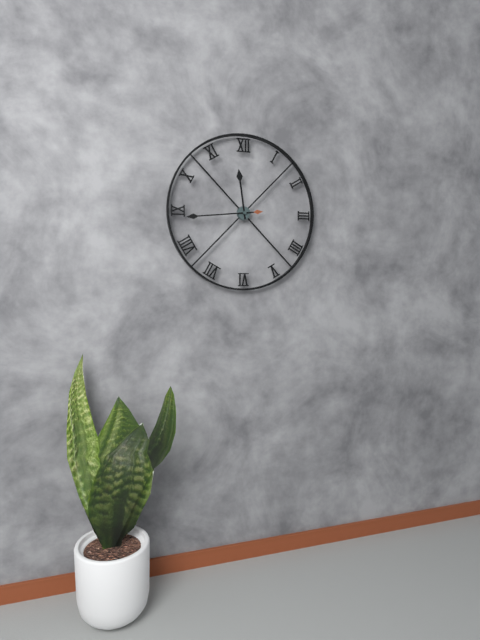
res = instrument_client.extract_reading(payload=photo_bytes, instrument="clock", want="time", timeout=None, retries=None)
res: 11:44
